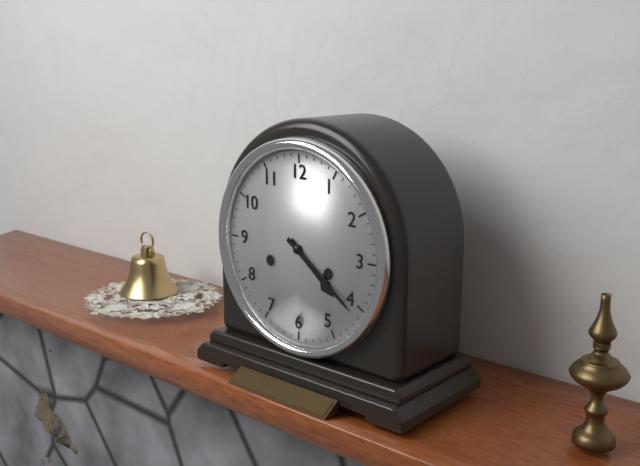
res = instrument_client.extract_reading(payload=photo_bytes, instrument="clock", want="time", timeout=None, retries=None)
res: 4:21
